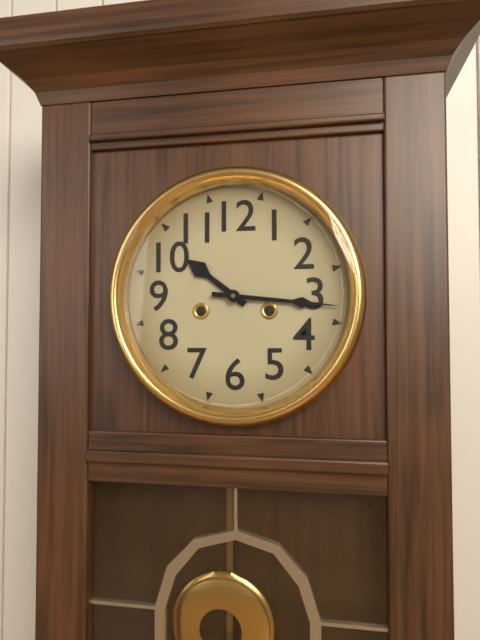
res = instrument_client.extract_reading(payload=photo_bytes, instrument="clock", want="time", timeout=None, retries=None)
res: 10:16
